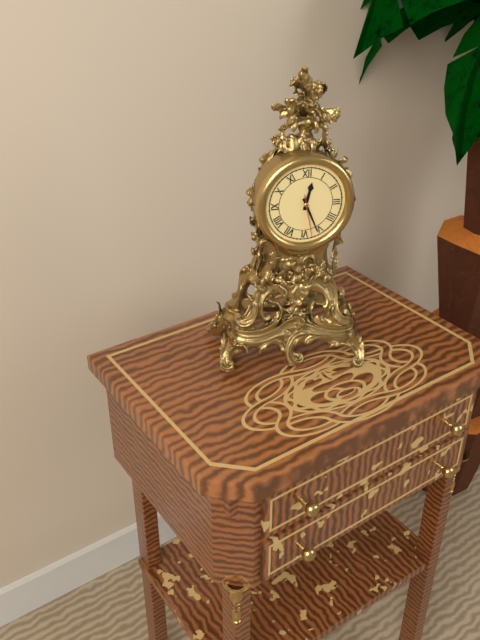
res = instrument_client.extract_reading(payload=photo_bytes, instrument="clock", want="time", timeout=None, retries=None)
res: 12:26
